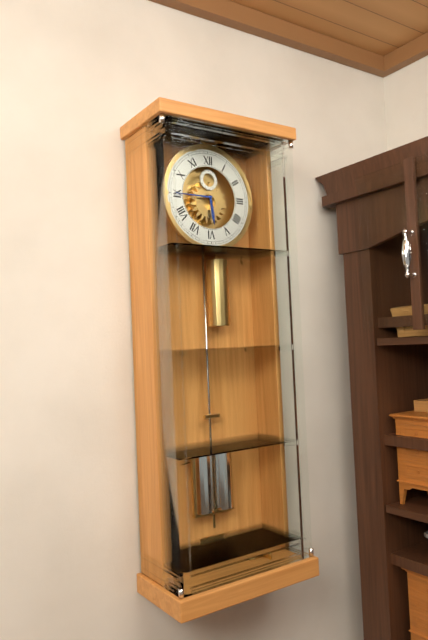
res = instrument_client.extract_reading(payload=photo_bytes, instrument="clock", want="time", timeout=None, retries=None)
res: 5:45
